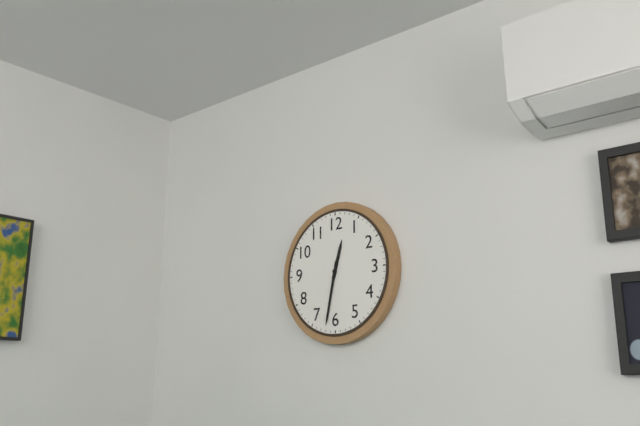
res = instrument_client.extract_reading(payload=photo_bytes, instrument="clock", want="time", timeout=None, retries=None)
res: 12:32
